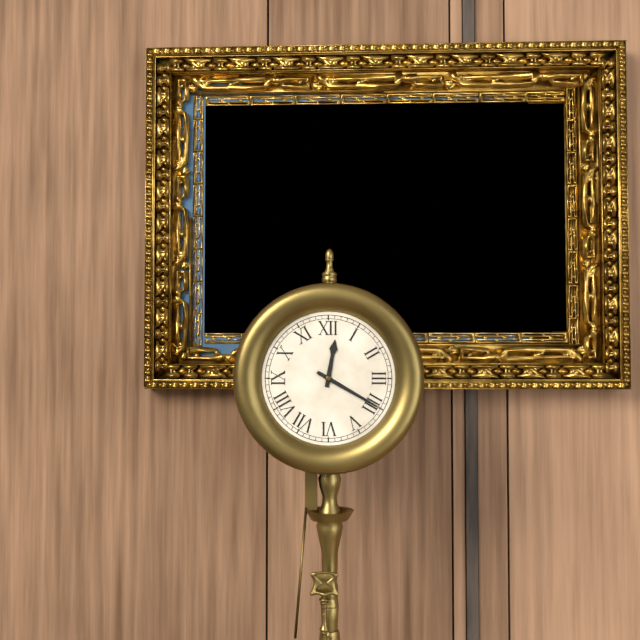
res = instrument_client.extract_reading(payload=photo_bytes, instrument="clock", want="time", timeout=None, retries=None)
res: 12:20
